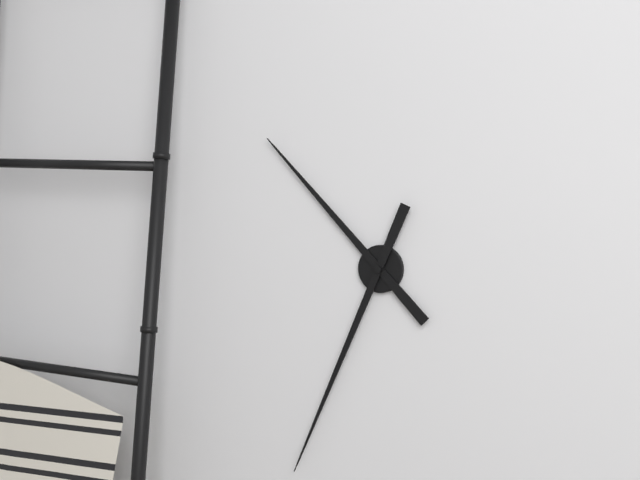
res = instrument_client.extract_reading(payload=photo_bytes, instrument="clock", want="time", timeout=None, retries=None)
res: 10:34
